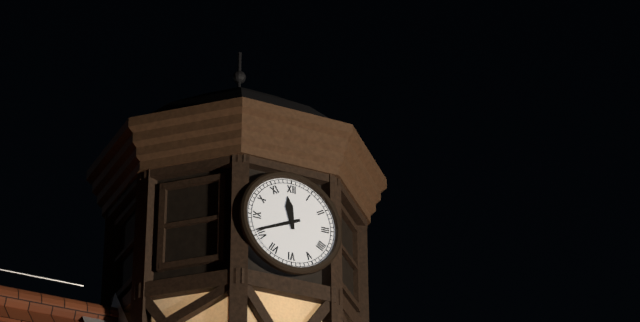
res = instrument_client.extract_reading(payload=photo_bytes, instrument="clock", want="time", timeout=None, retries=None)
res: 11:41
